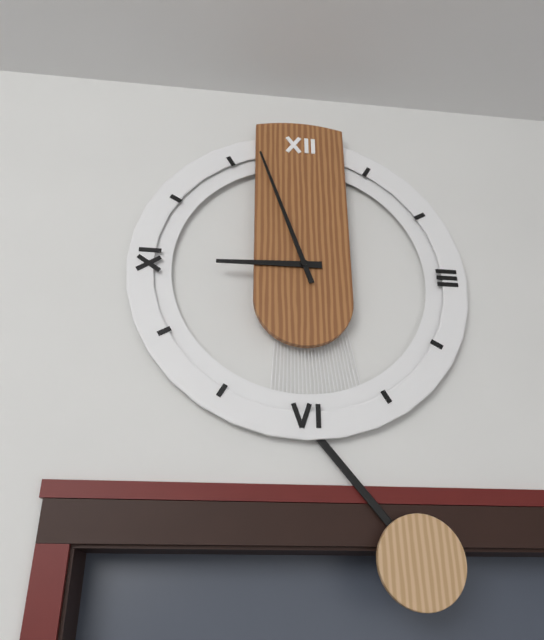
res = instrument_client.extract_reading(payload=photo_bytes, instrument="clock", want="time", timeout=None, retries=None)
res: 8:57
